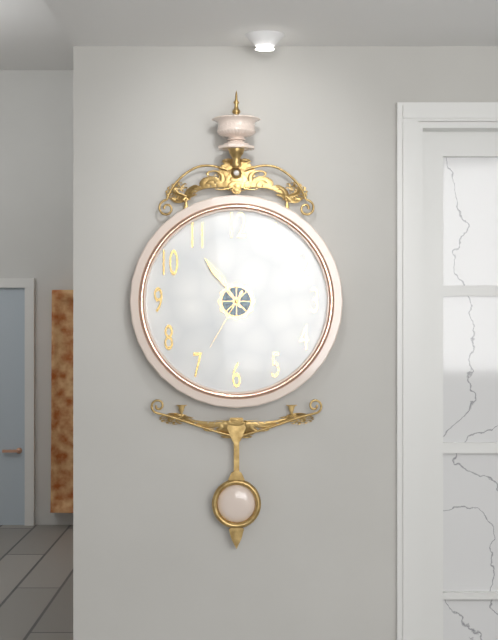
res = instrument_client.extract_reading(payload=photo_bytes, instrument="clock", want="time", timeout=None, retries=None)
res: 10:54:35
